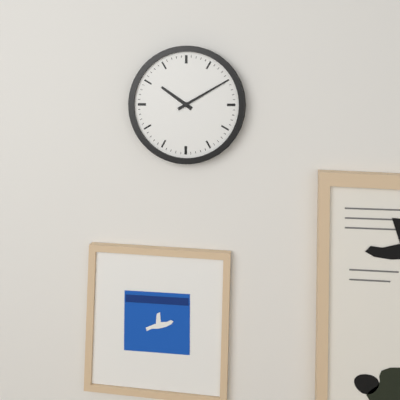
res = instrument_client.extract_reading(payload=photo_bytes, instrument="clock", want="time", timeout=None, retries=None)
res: 10:10
